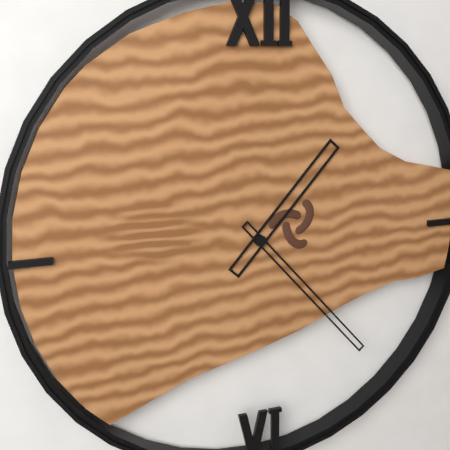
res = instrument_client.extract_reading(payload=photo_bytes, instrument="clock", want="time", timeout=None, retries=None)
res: 1:23
